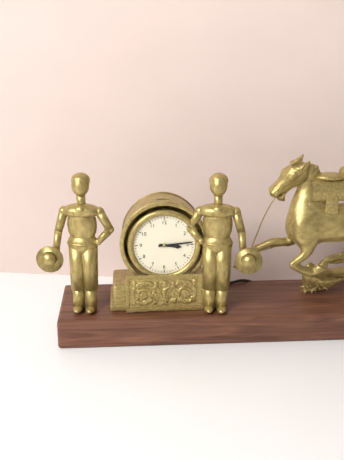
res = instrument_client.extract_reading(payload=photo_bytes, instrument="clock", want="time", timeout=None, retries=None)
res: 3:14
